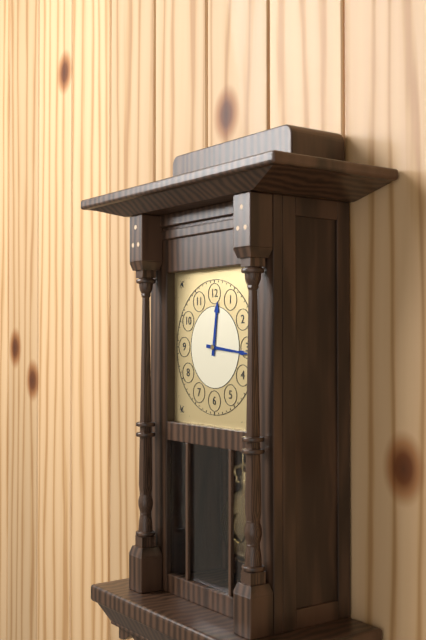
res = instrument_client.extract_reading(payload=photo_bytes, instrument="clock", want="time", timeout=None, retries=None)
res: 12:16
